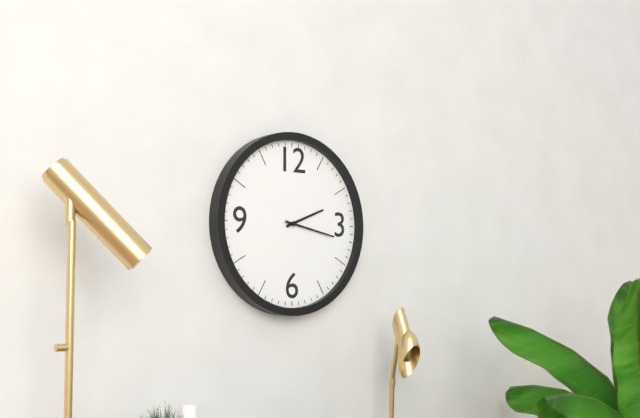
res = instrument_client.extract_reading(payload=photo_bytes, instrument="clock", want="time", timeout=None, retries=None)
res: 2:17
